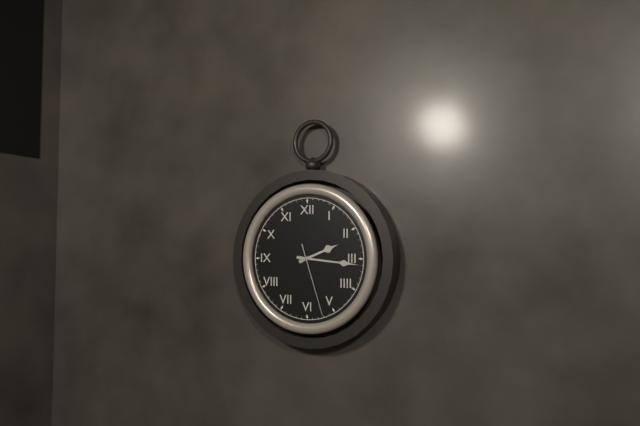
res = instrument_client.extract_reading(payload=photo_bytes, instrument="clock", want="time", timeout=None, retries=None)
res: 2:16:27
